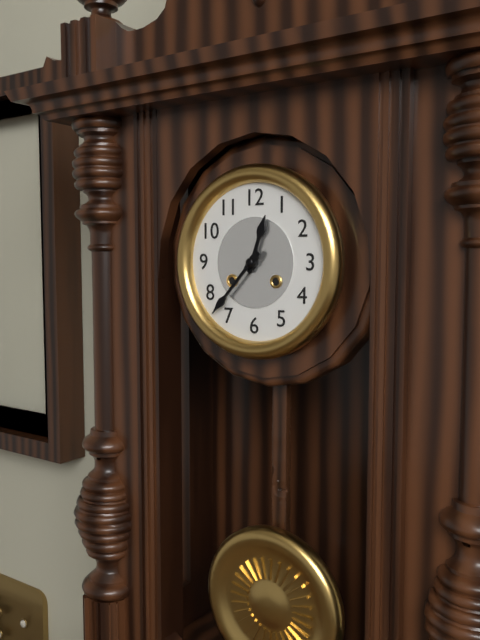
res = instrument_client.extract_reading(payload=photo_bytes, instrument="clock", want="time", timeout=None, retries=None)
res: 12:37
